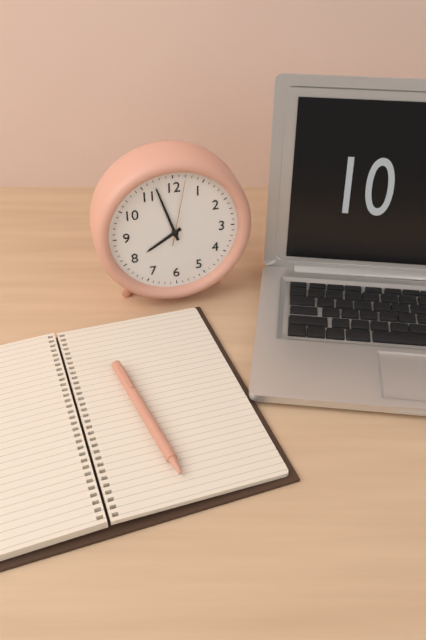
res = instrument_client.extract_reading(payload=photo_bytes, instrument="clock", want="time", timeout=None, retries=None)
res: 7:57:02
